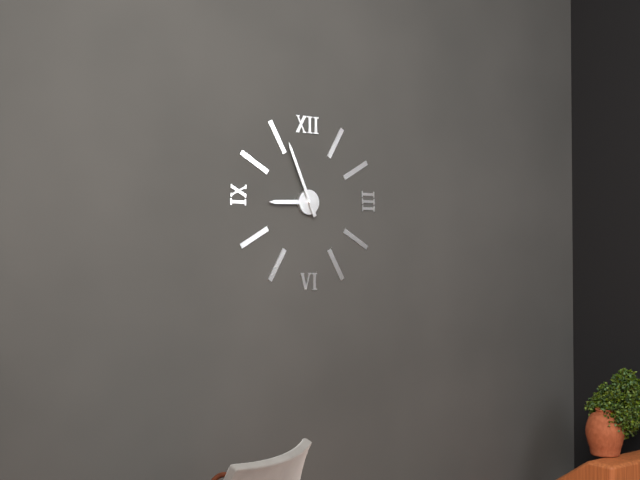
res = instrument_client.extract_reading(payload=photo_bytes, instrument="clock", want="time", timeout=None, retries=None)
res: 8:56
